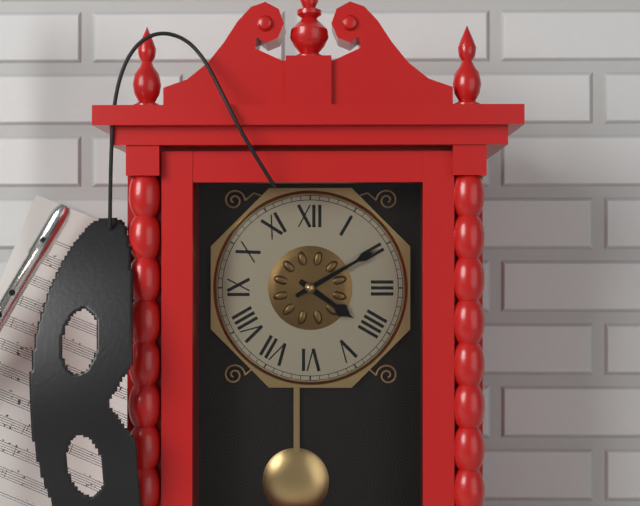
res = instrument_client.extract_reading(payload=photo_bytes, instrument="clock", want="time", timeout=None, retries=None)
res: 4:10
